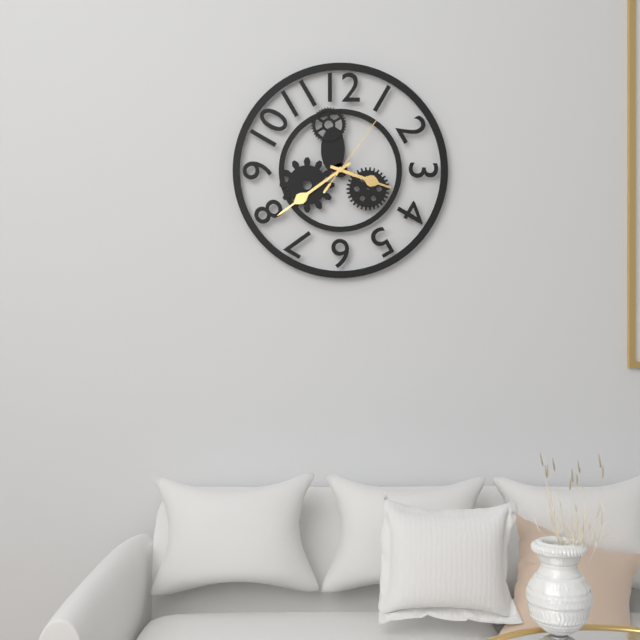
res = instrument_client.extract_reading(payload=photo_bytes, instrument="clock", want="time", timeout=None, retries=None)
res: 3:39:06
